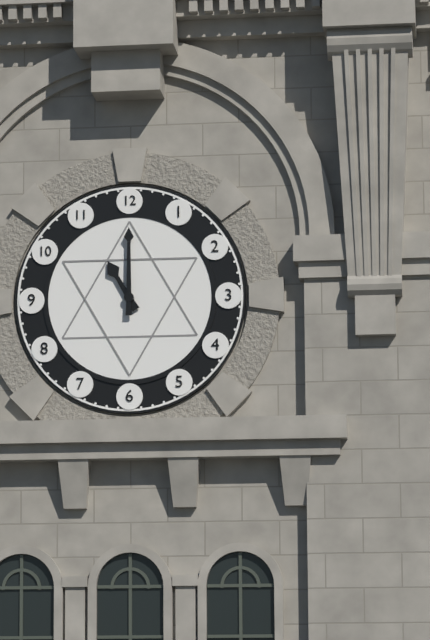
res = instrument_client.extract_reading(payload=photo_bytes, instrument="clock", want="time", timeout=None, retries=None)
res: 11:00
